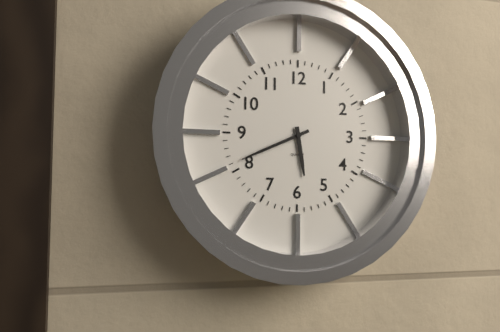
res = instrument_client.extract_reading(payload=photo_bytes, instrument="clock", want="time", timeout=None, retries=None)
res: 5:41
